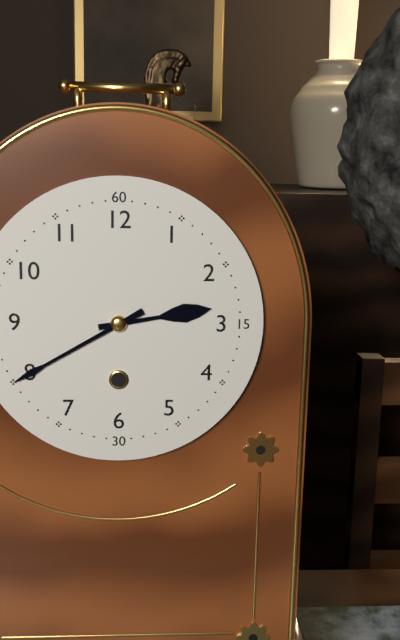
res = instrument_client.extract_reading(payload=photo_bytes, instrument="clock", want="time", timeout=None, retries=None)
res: 2:40
